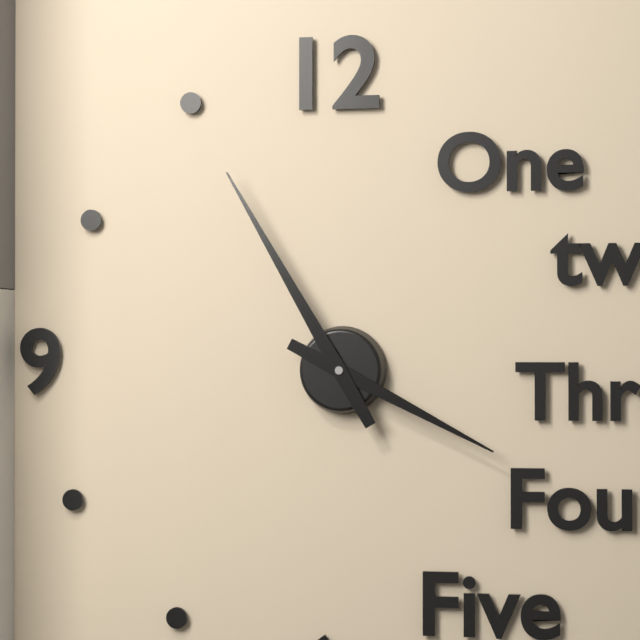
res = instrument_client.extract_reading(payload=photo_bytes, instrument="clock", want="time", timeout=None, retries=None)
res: 3:55
